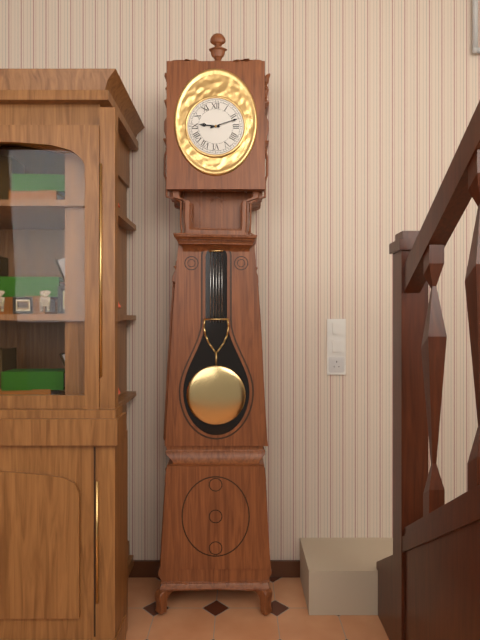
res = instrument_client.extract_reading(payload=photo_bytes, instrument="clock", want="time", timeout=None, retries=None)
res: 9:12
